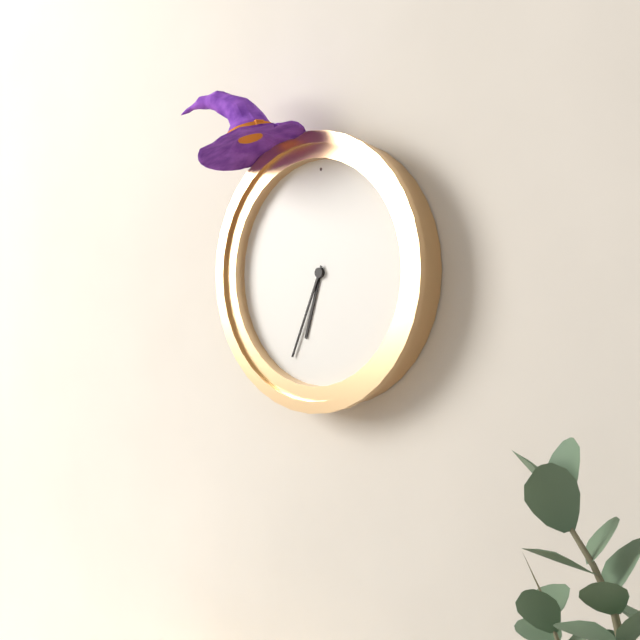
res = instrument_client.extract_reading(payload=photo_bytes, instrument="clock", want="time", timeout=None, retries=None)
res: 6:34
